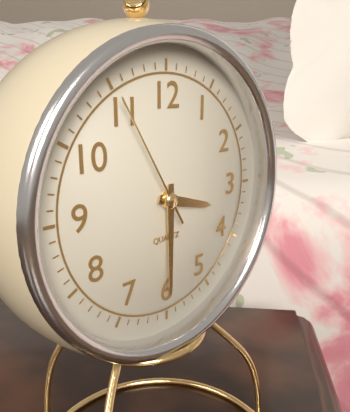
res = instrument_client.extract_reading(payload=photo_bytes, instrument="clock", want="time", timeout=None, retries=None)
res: 3:30:55
